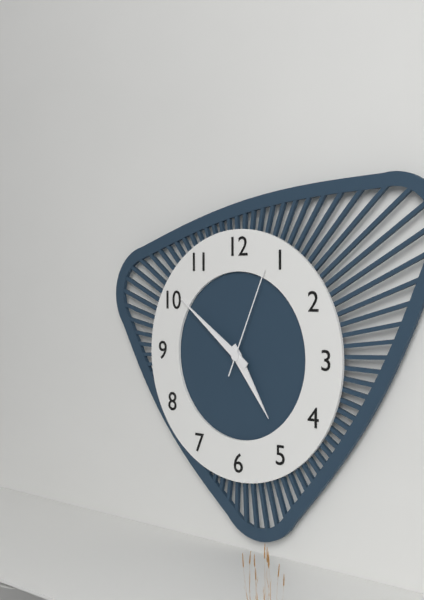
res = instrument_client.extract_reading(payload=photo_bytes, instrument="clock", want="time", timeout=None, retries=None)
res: 4:51:04
